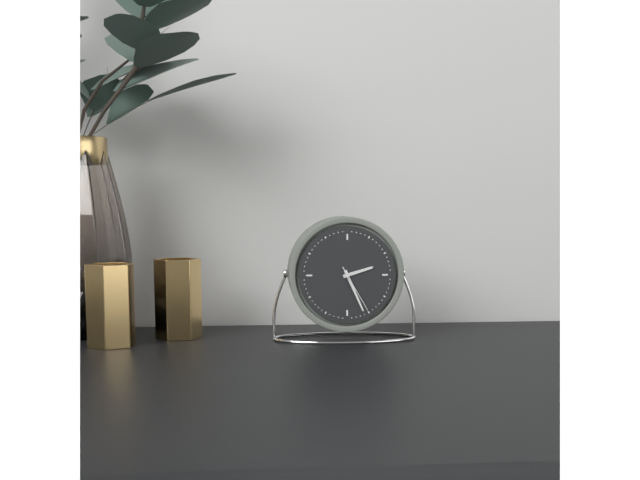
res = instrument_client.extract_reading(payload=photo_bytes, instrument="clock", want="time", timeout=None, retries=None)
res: 2:26:25
